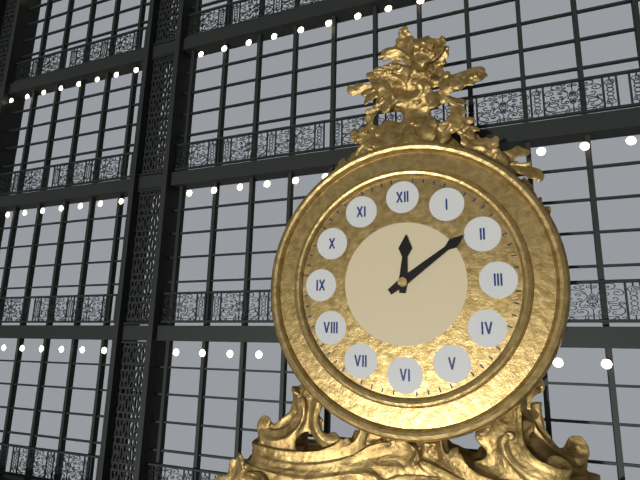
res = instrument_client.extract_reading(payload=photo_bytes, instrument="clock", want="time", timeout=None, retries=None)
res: 12:09
